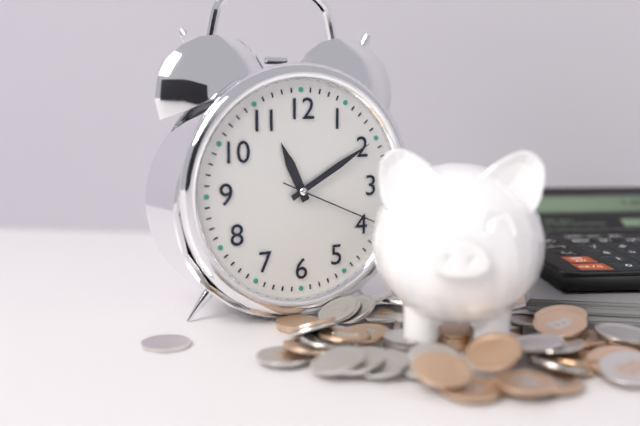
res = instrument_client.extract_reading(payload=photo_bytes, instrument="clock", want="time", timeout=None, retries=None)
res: 11:10:19
